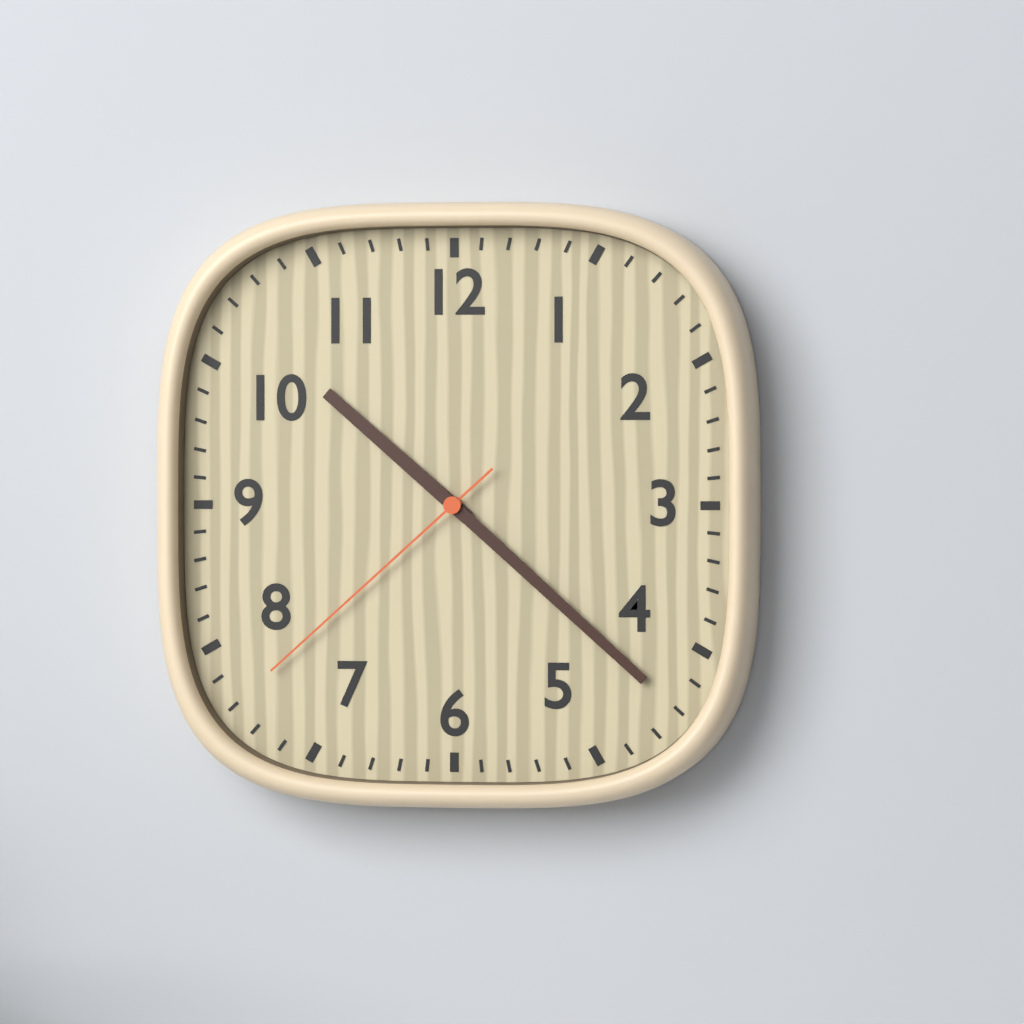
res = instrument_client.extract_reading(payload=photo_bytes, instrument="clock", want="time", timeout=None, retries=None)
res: 10:22:38
